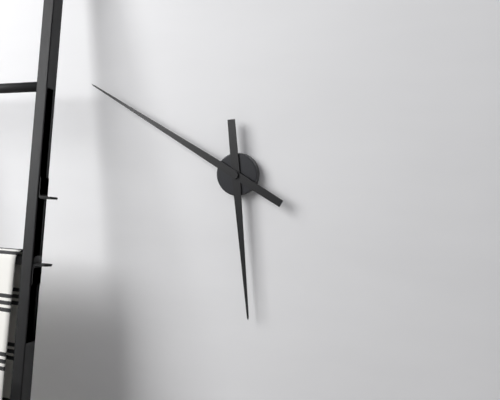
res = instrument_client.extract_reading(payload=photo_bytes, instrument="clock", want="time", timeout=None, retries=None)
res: 5:50
